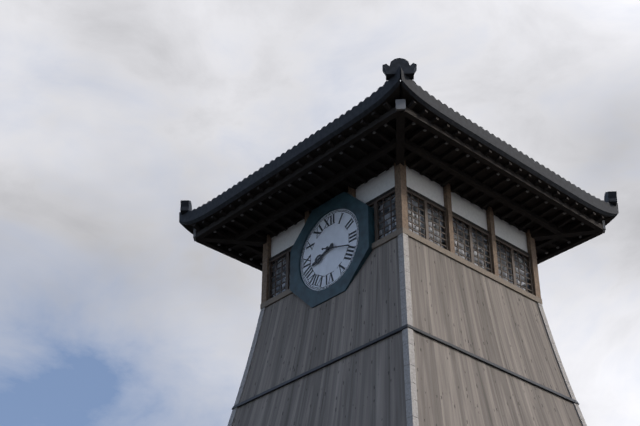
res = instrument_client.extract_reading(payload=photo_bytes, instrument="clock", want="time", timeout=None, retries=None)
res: 8:18
